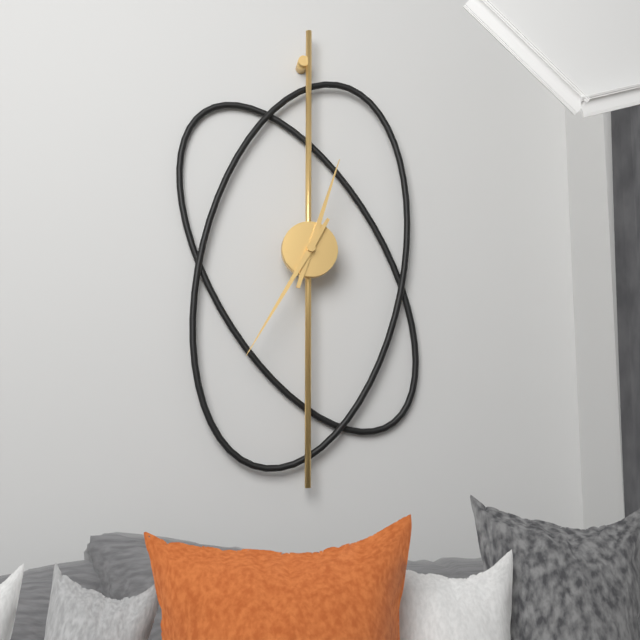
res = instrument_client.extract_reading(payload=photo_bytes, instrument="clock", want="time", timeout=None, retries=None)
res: 12:35
